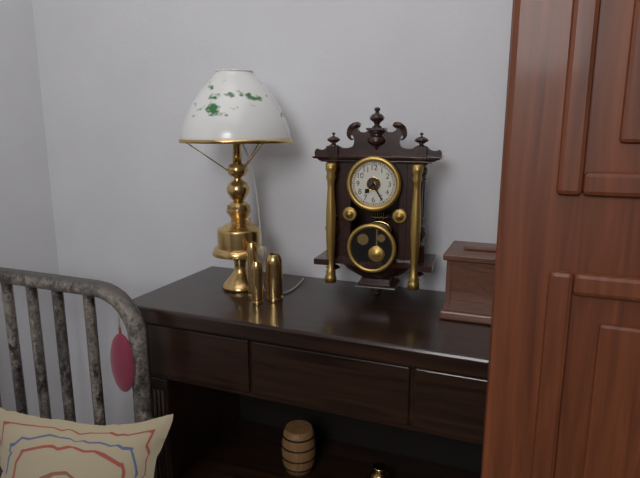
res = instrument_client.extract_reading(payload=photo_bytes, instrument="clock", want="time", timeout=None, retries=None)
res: 7:25
